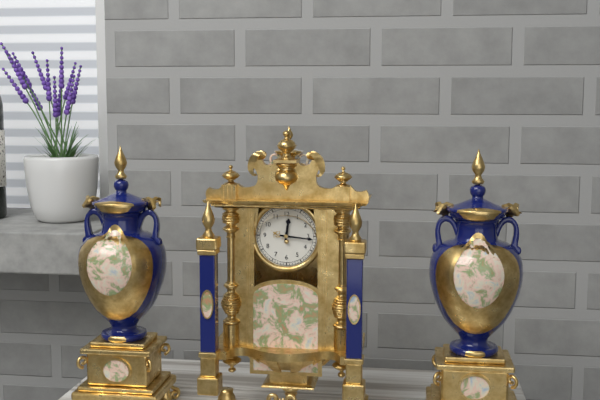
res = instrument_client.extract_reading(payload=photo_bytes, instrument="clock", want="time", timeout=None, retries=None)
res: 12:16
